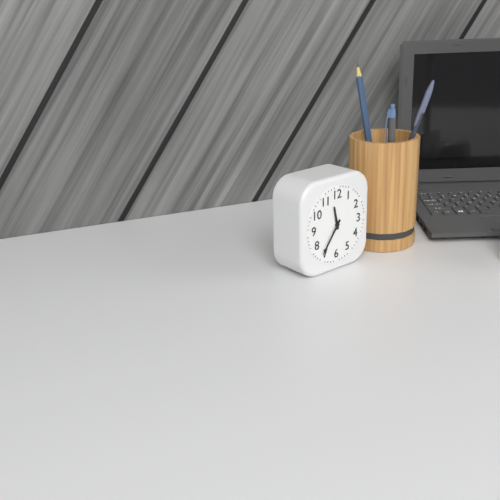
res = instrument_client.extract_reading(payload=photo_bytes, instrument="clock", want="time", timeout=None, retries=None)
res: 11:36
